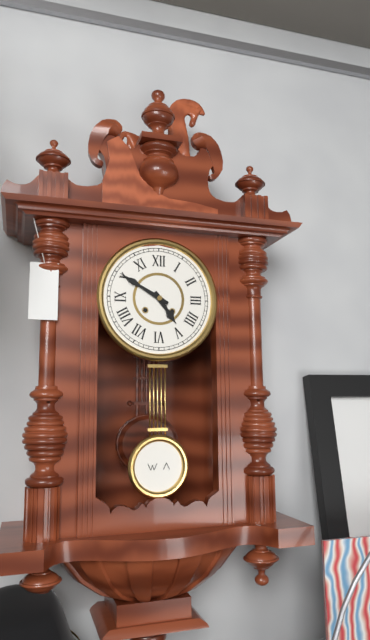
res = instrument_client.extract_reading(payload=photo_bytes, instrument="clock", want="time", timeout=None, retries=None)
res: 4:50
